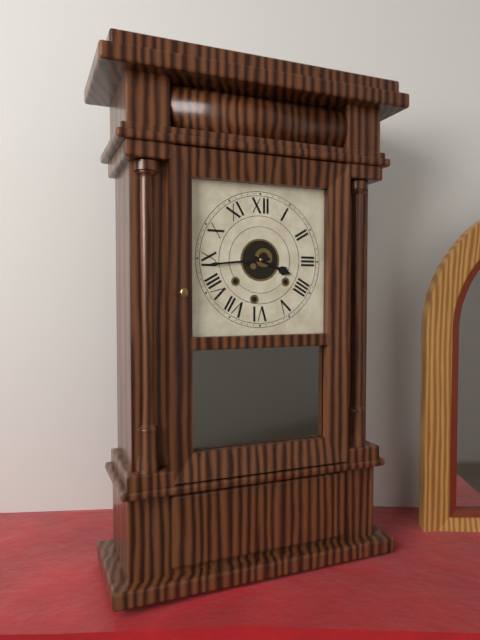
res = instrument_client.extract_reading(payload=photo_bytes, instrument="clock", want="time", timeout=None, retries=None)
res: 3:44
